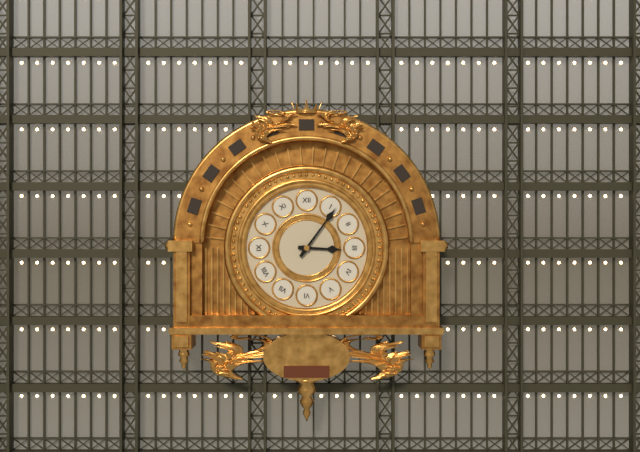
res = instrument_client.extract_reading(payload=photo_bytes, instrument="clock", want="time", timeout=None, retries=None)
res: 3:06
